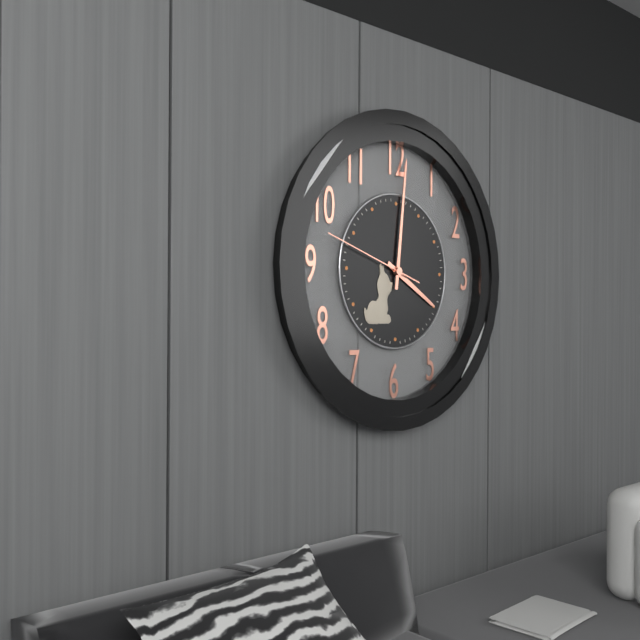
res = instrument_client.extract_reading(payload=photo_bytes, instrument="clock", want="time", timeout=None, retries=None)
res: 4:01:48
